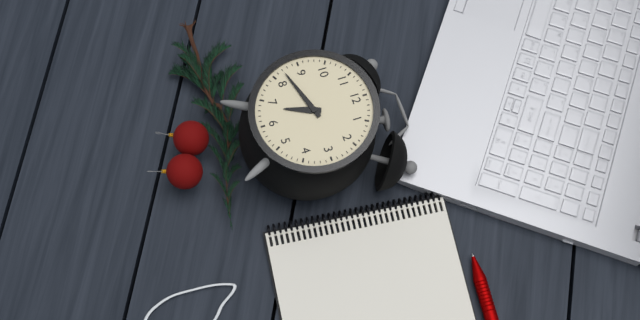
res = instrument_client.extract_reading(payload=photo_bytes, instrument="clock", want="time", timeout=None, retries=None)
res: 6:42
